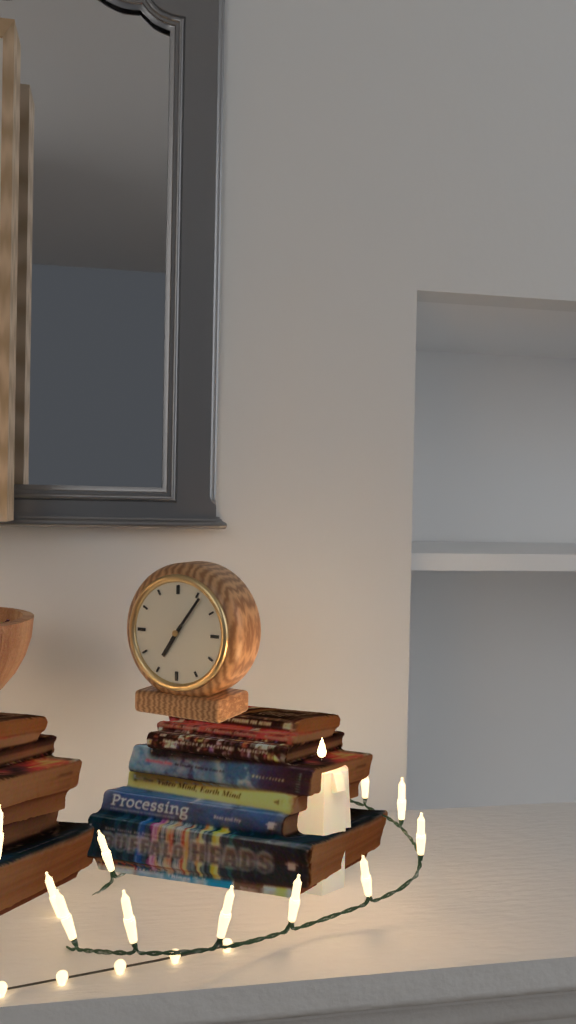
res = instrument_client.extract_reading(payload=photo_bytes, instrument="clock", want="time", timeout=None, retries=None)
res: 7:06
